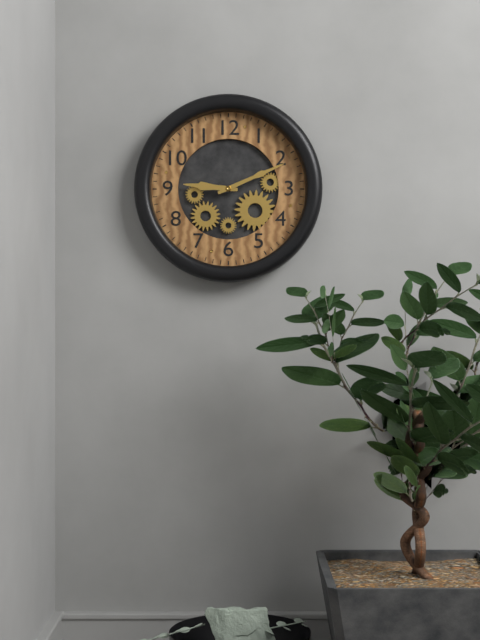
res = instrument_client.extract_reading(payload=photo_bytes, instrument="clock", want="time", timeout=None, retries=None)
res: 9:11
